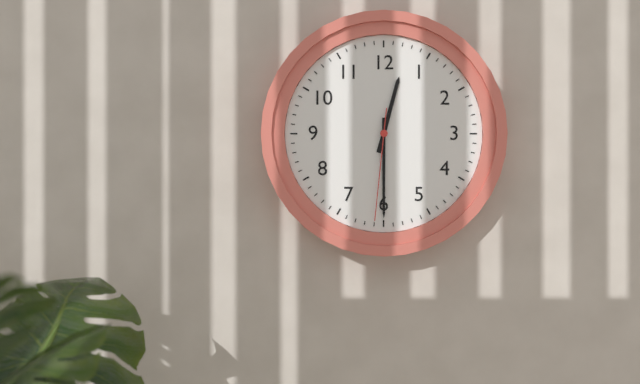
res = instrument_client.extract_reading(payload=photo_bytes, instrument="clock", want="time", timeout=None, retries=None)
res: 12:30:31
